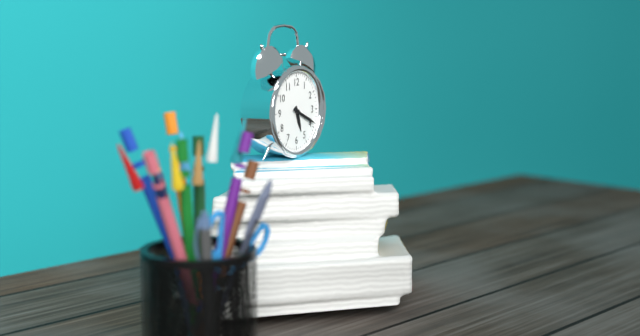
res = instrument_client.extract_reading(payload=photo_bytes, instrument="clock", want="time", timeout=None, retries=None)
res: 5:19
